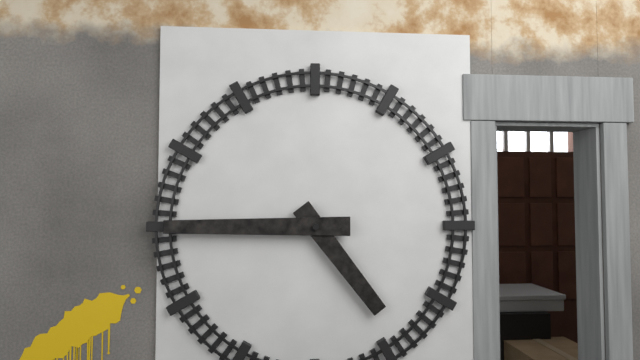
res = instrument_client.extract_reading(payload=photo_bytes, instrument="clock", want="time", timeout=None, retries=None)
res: 4:45
